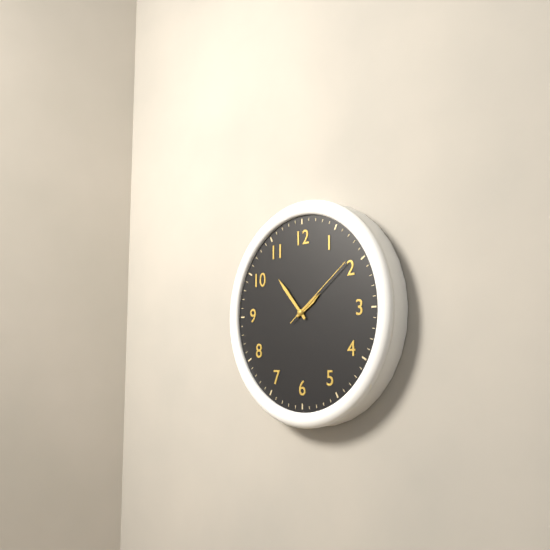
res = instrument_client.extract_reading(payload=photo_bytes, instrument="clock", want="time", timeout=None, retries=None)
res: 1:53:09
